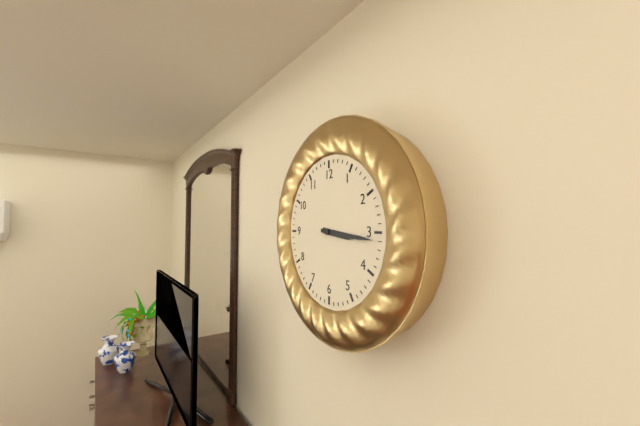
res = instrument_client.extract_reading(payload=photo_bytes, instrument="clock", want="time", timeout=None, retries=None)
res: 3:16
